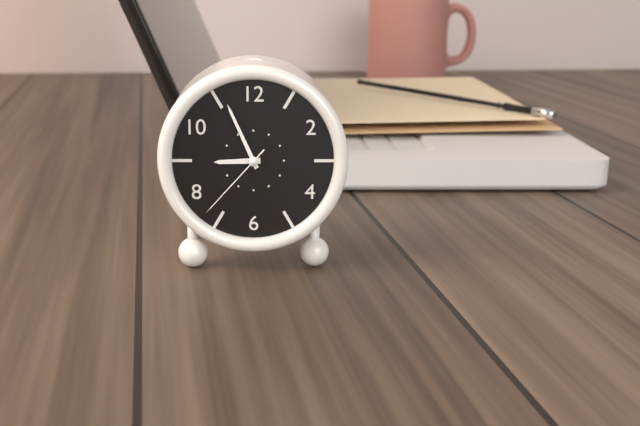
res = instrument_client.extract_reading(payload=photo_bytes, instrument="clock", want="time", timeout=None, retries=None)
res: 8:56:37
